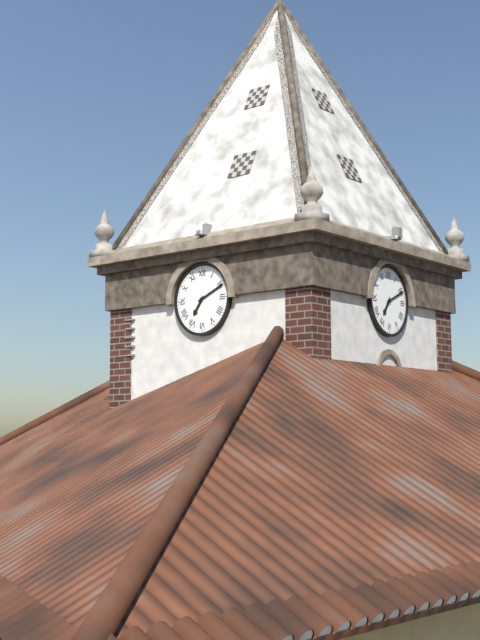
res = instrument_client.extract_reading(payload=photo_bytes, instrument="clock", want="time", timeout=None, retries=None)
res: 7:11
